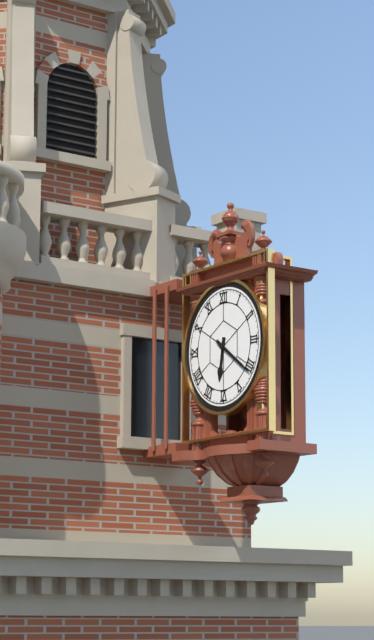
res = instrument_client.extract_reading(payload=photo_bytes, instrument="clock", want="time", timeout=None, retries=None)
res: 6:21
